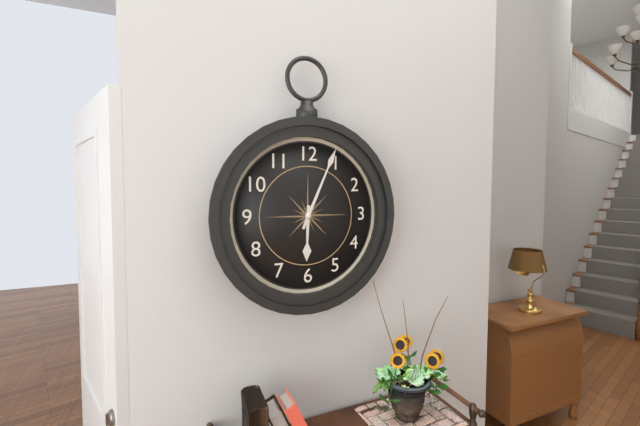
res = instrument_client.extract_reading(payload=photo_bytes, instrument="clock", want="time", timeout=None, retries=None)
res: 6:04
